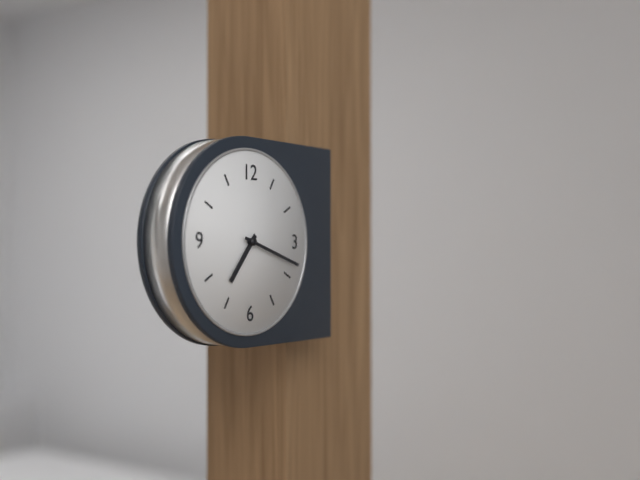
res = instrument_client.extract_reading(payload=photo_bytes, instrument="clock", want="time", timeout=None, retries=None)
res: 7:18
